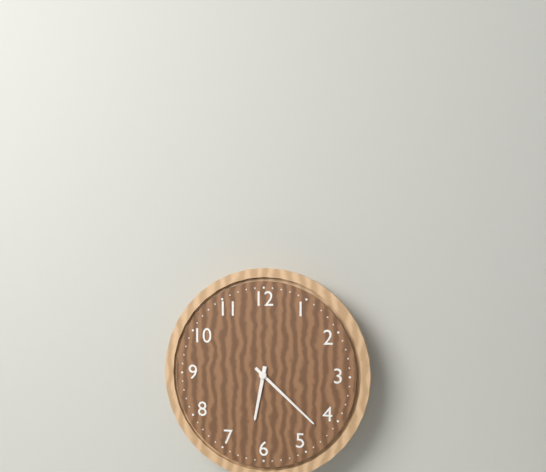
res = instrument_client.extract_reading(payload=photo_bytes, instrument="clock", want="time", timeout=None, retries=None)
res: 6:22
